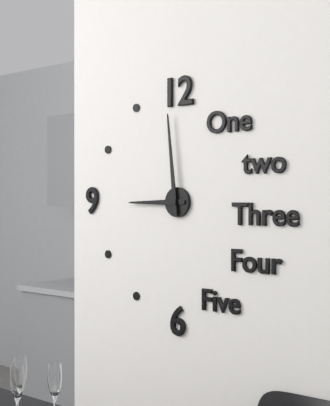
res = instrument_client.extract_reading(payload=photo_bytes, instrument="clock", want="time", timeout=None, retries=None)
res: 8:59
